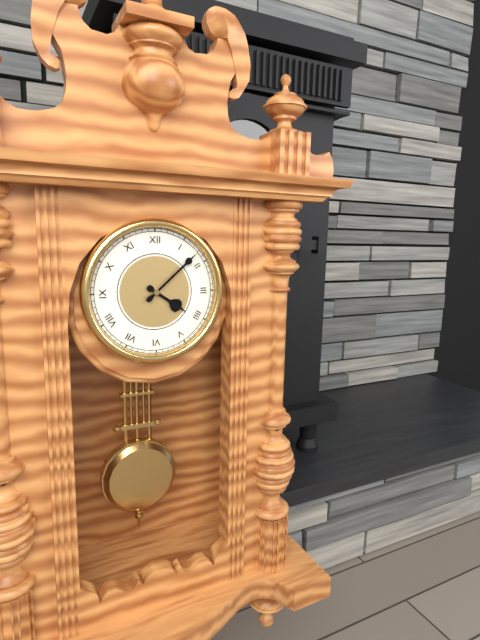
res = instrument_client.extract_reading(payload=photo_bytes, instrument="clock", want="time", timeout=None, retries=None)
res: 4:08
